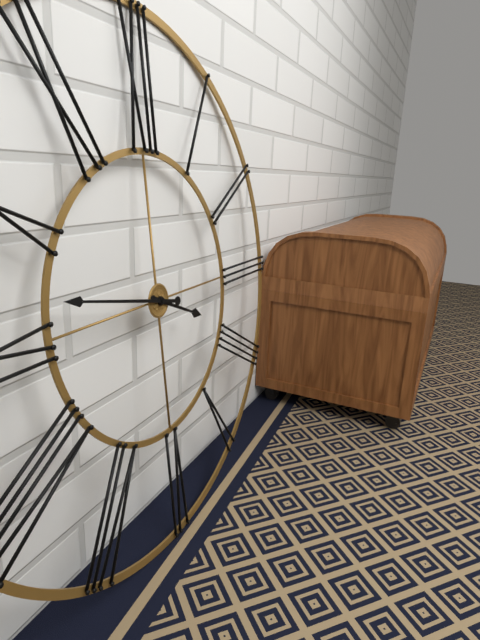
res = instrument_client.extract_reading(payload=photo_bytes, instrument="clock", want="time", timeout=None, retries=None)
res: 3:47
